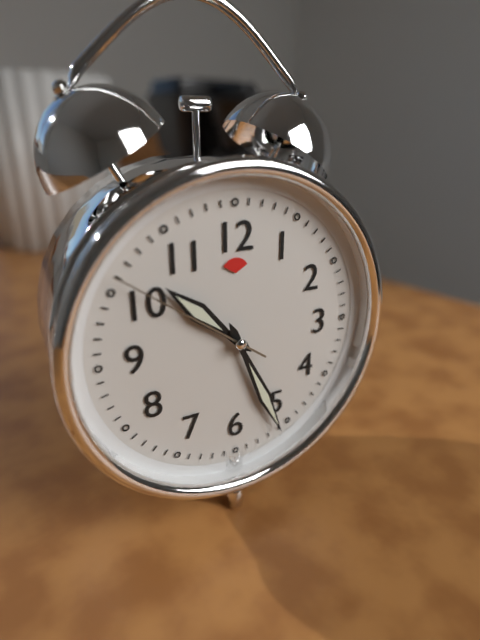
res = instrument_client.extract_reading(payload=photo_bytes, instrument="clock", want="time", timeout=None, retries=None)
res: 10:26:51
